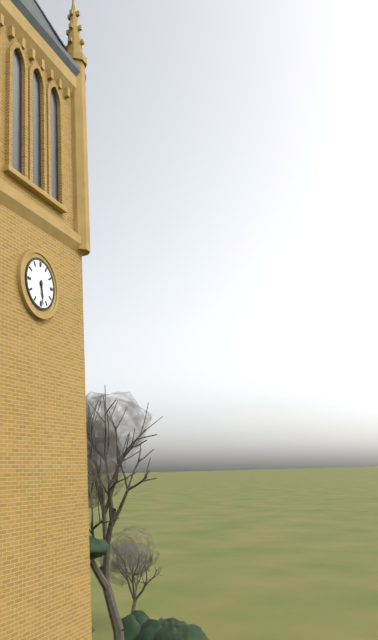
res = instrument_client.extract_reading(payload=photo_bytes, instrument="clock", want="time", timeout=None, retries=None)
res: 5:29
